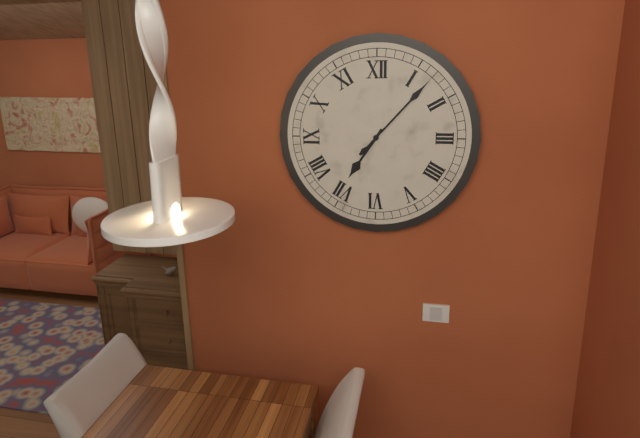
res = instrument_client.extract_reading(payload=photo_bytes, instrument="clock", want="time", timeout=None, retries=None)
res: 7:07
